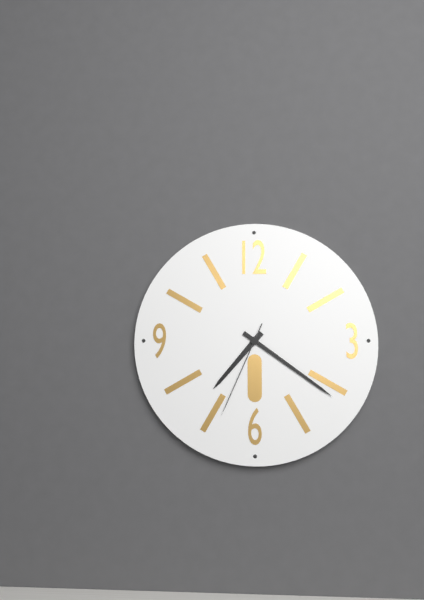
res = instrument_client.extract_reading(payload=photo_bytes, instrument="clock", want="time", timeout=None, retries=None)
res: 7:21:34
